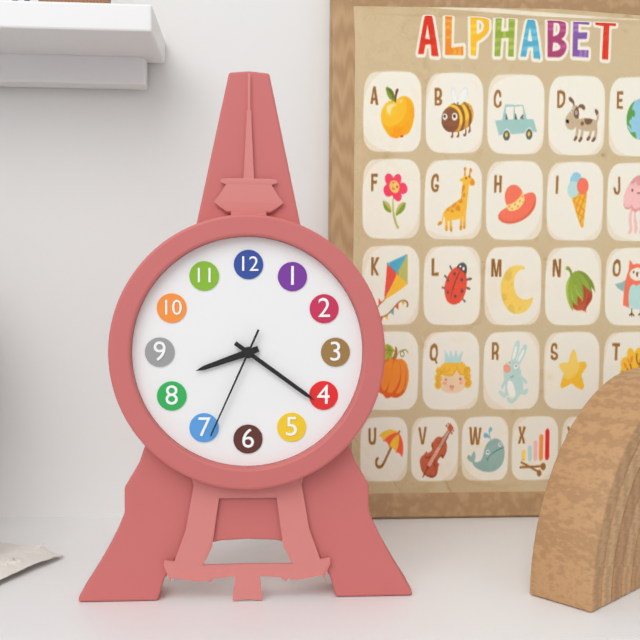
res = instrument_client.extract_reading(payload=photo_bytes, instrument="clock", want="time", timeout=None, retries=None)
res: 8:21:34
